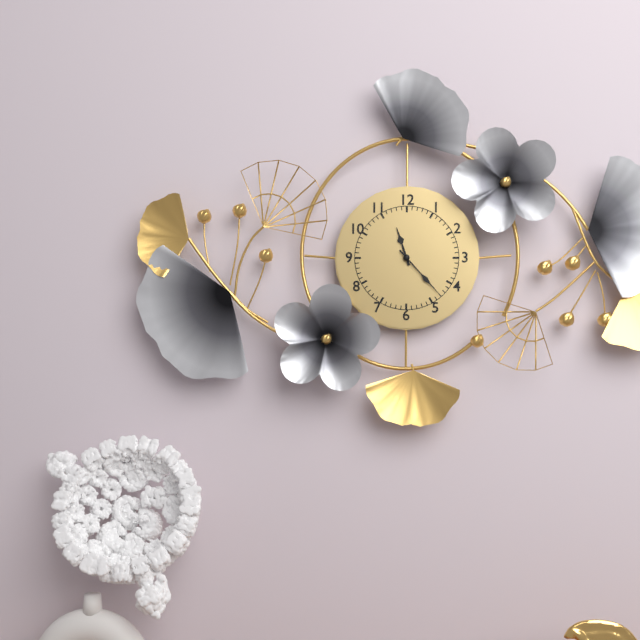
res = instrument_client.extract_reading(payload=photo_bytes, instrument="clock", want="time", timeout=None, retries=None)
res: 11:23
